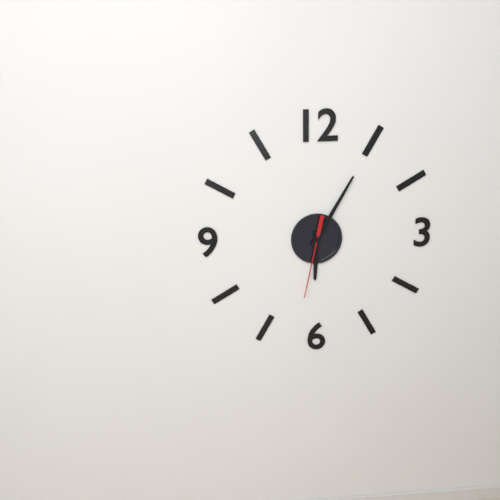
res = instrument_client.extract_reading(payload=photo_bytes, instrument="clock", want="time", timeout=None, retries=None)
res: 6:05:32
